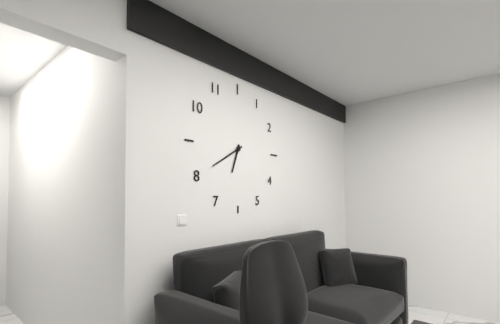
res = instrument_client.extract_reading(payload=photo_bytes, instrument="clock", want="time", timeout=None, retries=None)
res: 6:40
